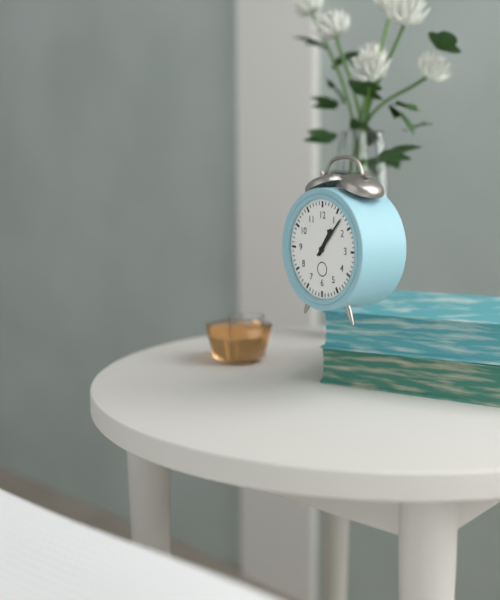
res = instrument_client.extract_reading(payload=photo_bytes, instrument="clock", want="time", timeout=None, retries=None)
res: 1:07
